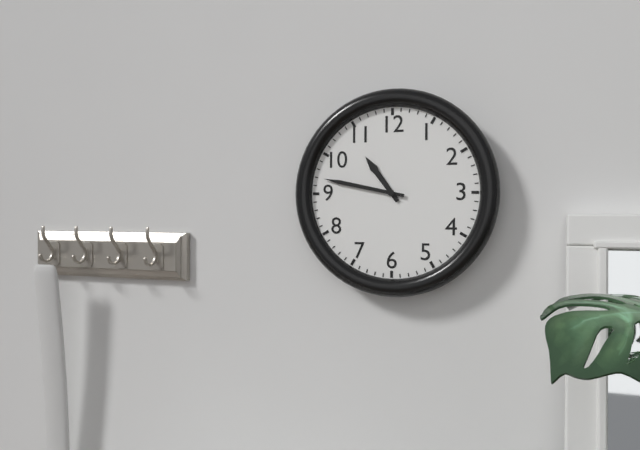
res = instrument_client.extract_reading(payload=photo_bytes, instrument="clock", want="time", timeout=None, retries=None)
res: 10:47
